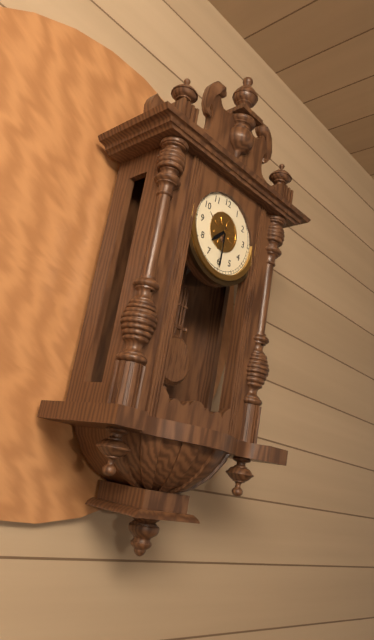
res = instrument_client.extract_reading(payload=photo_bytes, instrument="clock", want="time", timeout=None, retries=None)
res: 7:30
